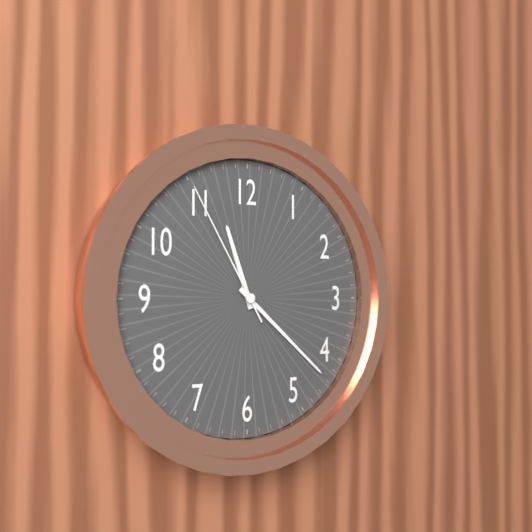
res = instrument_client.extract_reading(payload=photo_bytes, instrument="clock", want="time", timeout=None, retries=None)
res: 11:22:55
